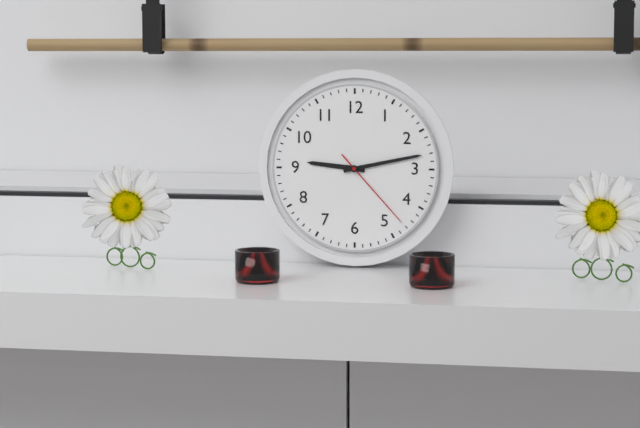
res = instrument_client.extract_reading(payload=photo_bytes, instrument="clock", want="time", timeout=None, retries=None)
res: 9:13:23
